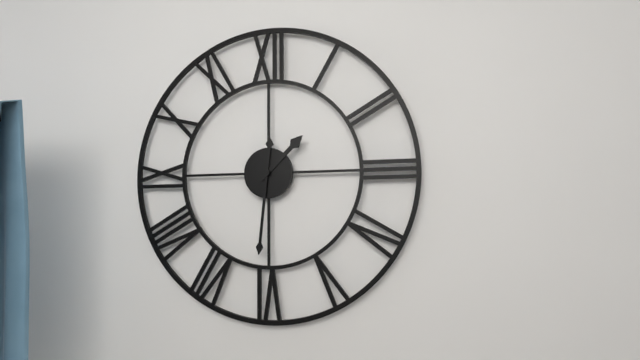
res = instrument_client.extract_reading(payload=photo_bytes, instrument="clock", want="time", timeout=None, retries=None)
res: 1:31
